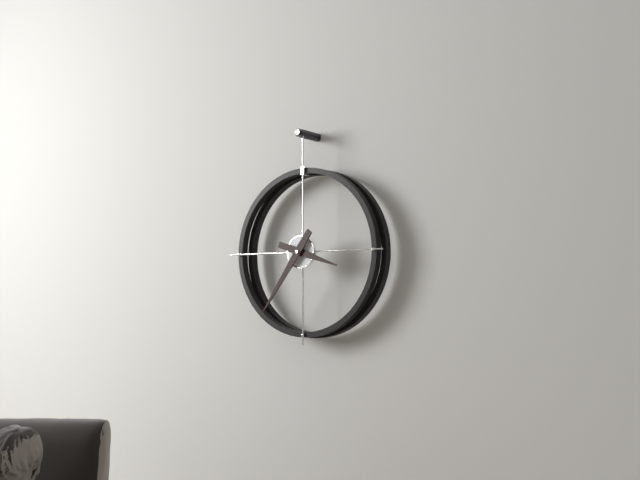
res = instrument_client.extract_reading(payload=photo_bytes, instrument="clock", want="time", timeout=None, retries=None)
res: 3:36
